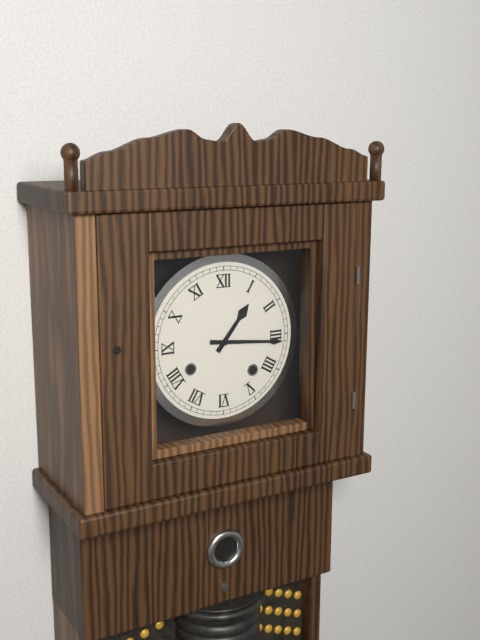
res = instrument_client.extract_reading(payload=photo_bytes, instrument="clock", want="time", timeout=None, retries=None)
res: 1:16
